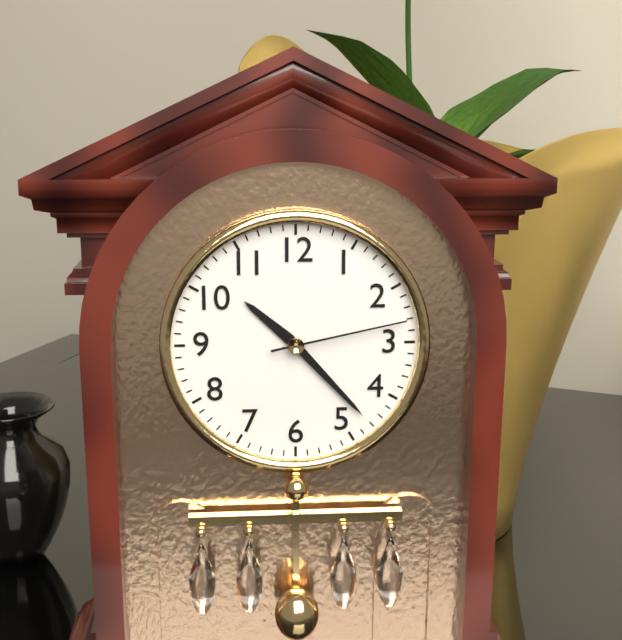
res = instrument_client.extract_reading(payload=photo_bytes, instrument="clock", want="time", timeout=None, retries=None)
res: 10:23:13
